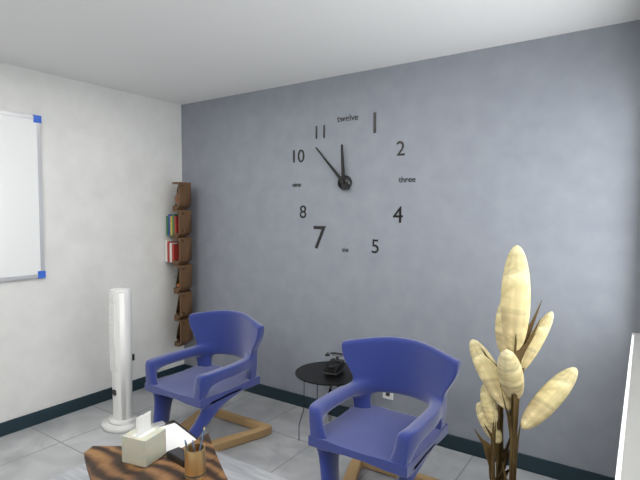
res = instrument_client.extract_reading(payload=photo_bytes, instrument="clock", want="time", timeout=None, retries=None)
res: 11:53
